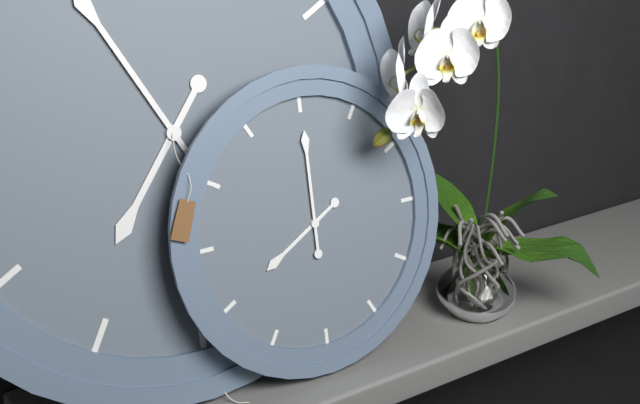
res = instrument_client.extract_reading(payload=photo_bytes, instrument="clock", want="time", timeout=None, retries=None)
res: 8:00
